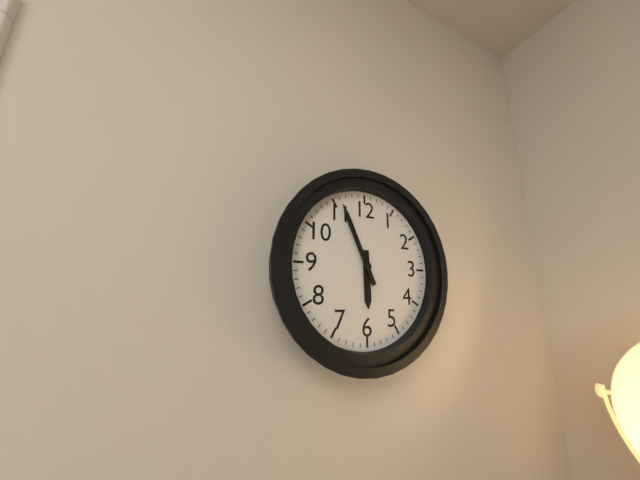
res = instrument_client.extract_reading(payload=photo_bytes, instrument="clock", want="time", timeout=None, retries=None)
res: 5:56
